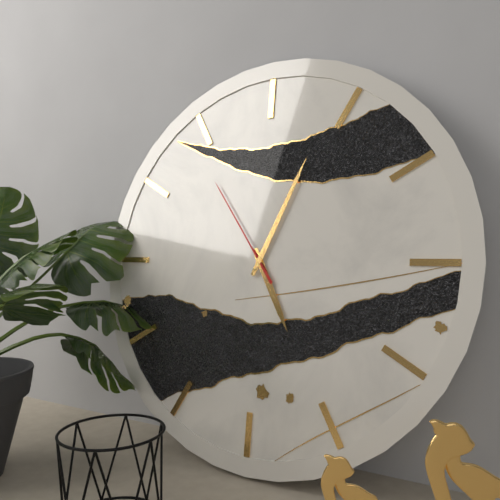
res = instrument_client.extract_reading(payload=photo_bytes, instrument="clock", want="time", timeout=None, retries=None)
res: 5:04:54
